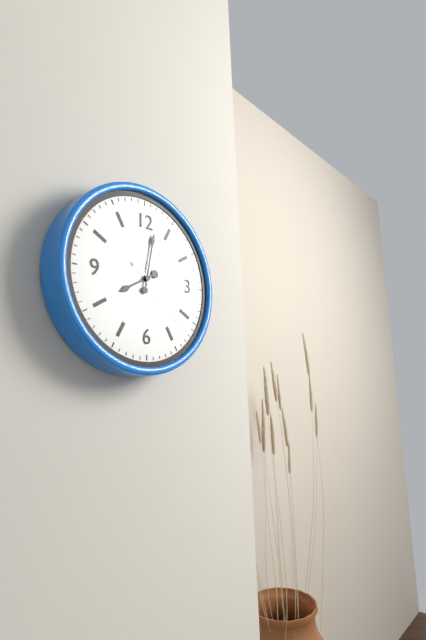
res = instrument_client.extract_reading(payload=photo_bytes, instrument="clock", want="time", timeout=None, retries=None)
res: 8:02:22
